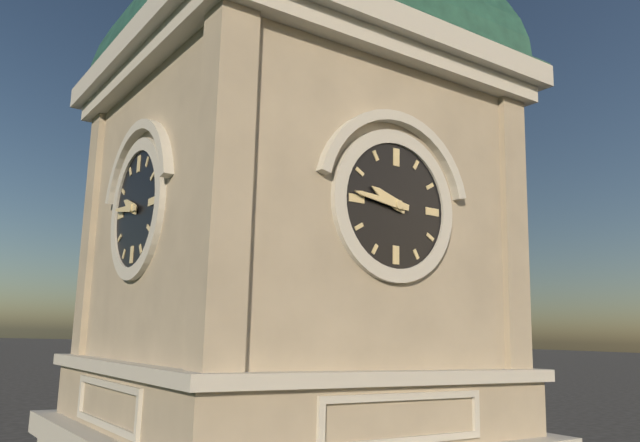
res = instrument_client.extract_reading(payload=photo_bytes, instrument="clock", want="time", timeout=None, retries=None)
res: 9:46
